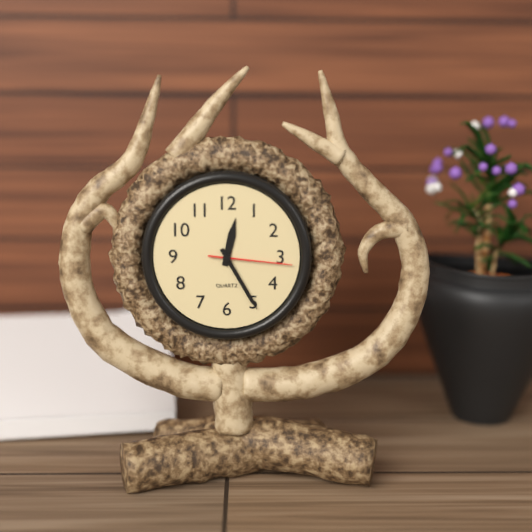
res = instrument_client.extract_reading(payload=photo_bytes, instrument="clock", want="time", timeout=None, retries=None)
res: 12:25:16
